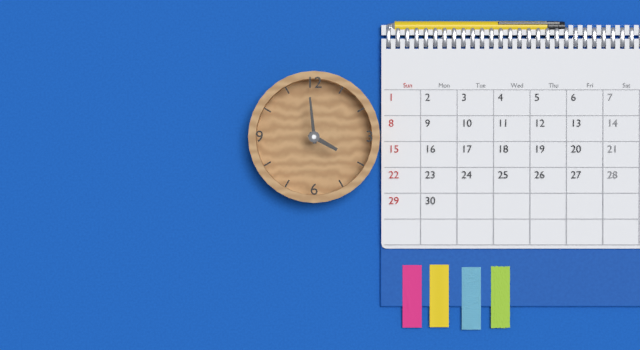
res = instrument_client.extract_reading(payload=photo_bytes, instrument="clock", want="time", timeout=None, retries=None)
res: 3:59
